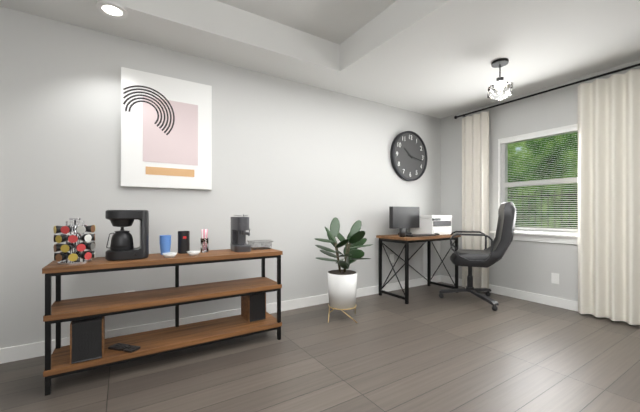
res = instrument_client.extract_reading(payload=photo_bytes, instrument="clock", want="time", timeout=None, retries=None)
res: 10:17
